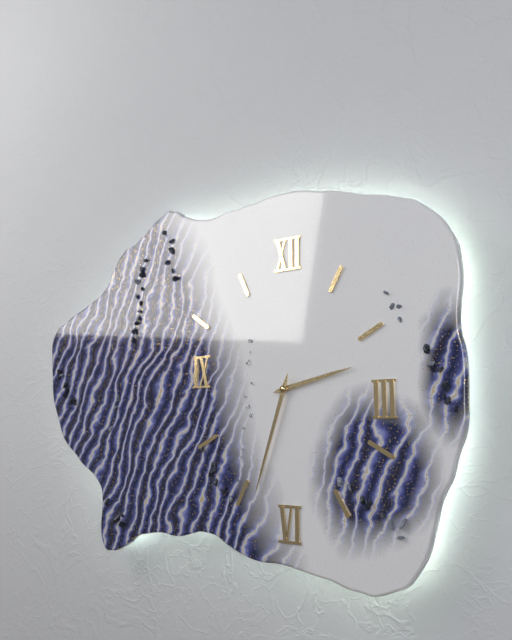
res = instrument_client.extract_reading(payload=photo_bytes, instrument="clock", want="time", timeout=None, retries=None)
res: 2:33
